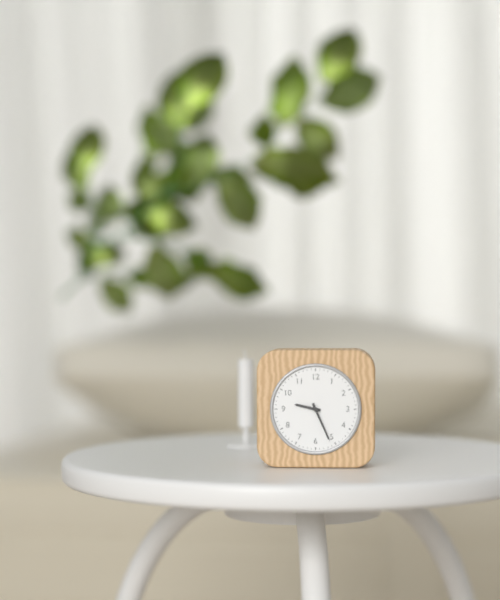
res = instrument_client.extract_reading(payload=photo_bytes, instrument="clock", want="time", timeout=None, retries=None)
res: 9:26
